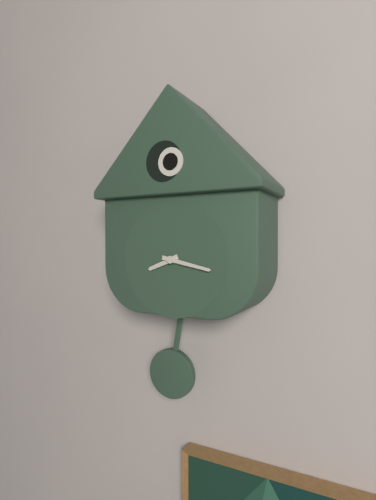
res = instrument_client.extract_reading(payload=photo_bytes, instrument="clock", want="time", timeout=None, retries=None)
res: 8:17
